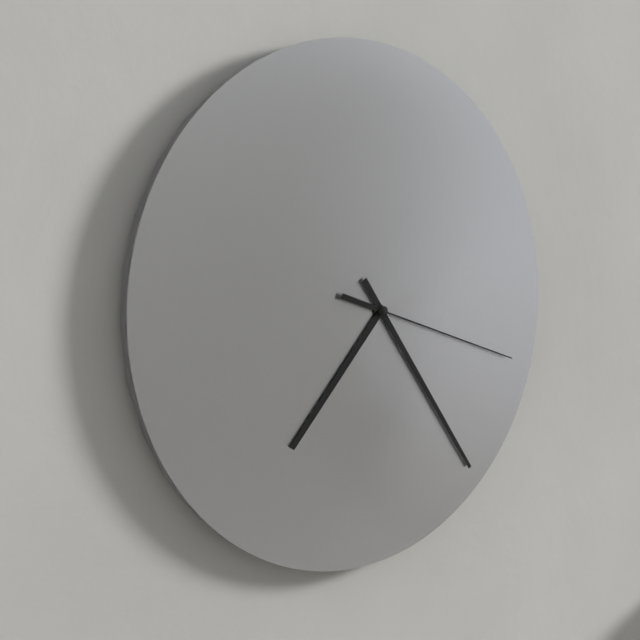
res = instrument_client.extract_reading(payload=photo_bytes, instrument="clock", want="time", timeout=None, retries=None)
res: 7:24:18
